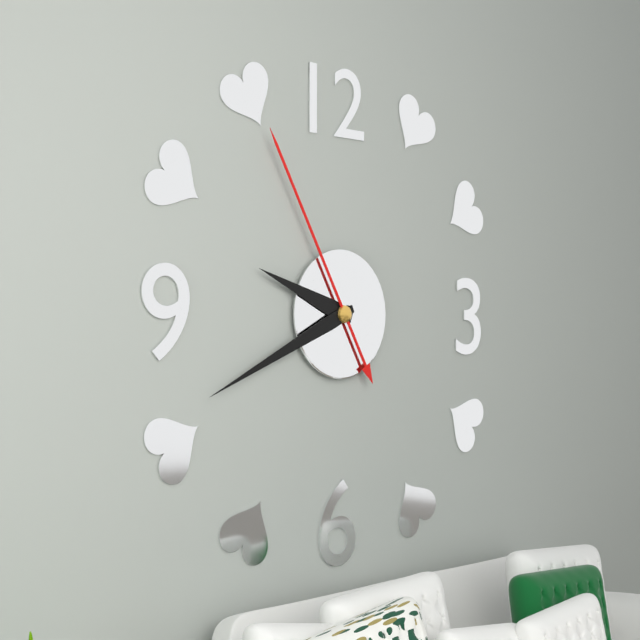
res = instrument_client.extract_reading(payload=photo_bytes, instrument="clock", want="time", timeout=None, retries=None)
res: 9:41:55
